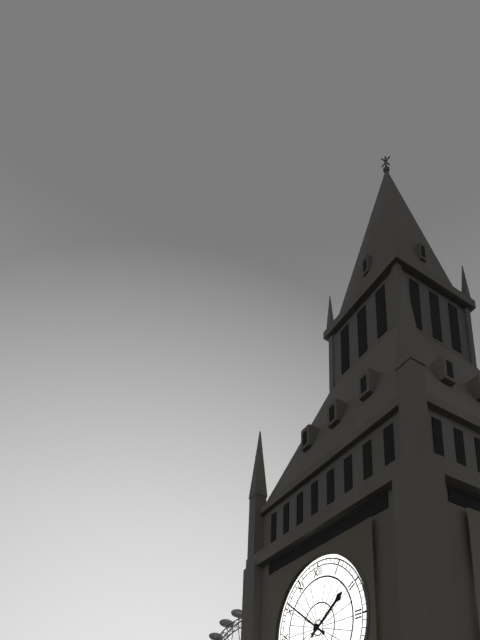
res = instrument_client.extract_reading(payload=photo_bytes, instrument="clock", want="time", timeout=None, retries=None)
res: 1:51
